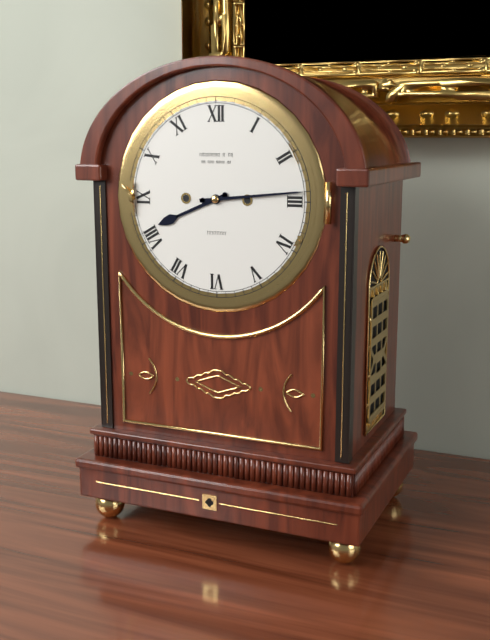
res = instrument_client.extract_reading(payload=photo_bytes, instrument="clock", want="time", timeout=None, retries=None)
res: 8:14
